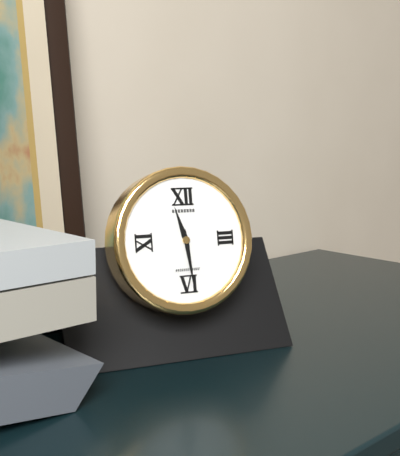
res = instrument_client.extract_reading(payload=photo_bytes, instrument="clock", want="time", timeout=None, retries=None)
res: 11:29
